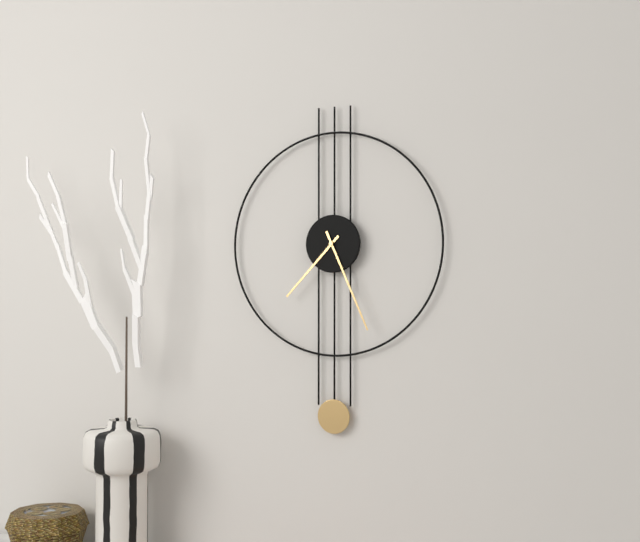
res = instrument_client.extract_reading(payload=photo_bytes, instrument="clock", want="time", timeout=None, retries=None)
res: 7:26
